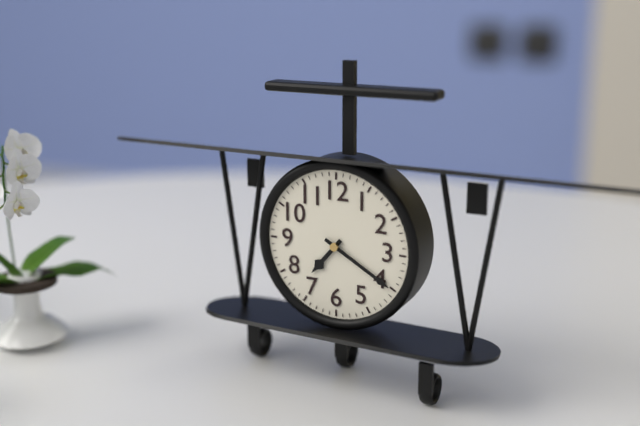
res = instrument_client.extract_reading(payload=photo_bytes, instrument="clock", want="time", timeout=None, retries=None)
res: 7:20
